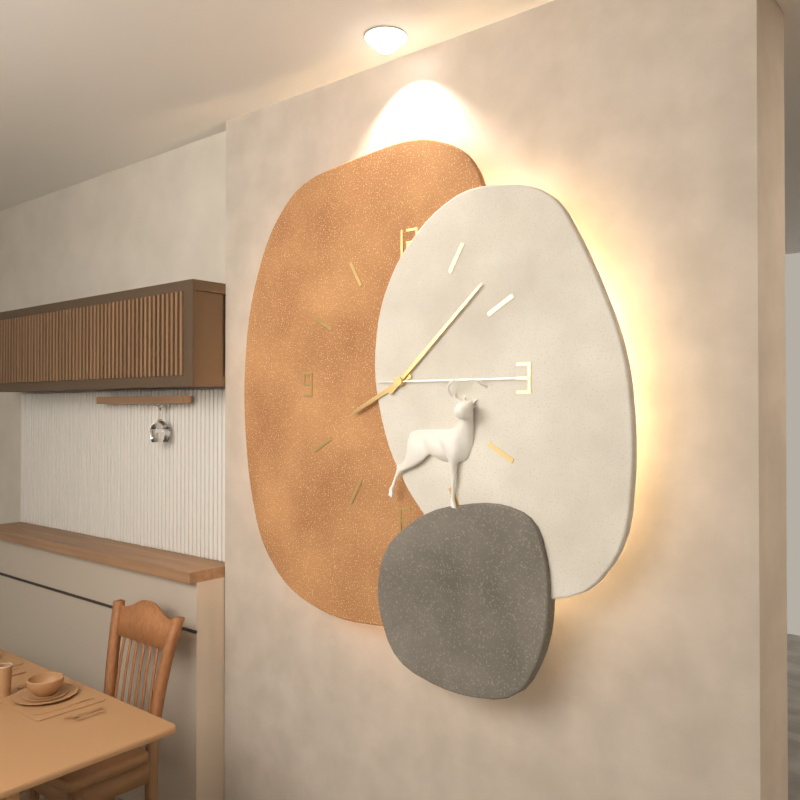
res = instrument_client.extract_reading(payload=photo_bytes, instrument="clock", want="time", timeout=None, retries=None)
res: 8:08:15
